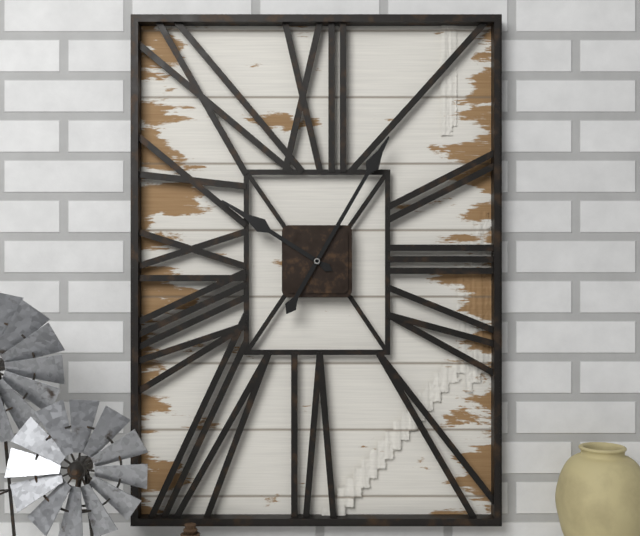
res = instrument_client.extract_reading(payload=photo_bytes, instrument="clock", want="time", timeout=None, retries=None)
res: 10:05
